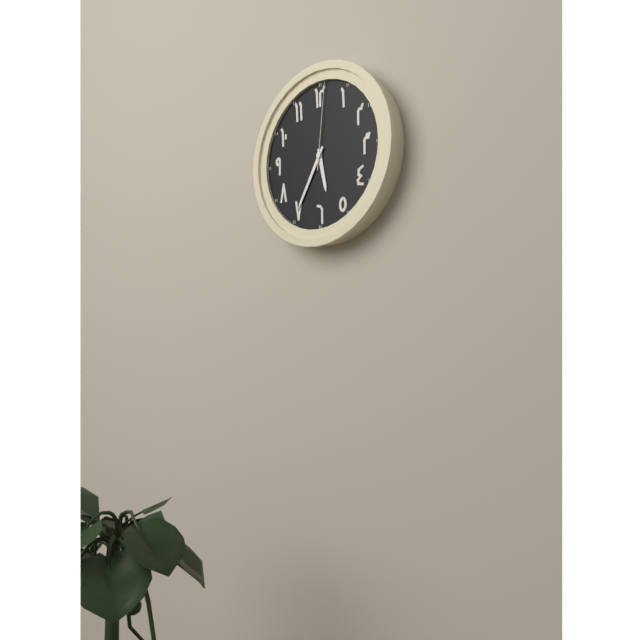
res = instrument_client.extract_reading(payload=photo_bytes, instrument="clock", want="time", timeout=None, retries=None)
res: 5:35:01
